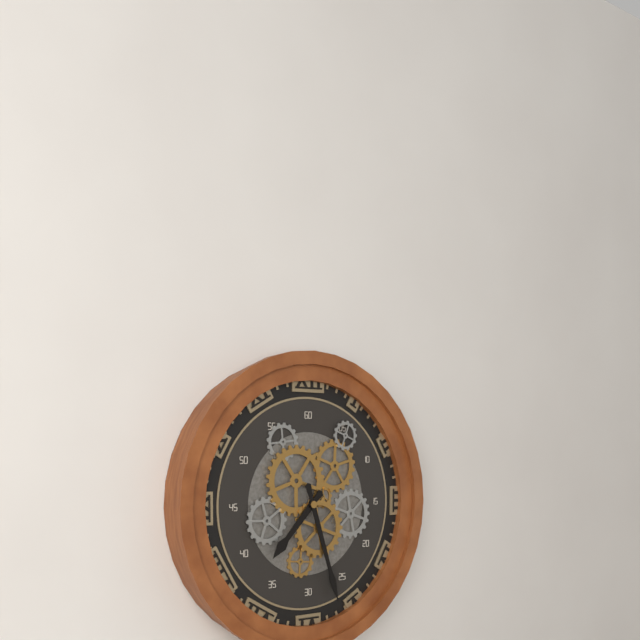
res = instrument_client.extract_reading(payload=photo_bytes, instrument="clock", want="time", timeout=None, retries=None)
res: 7:27
